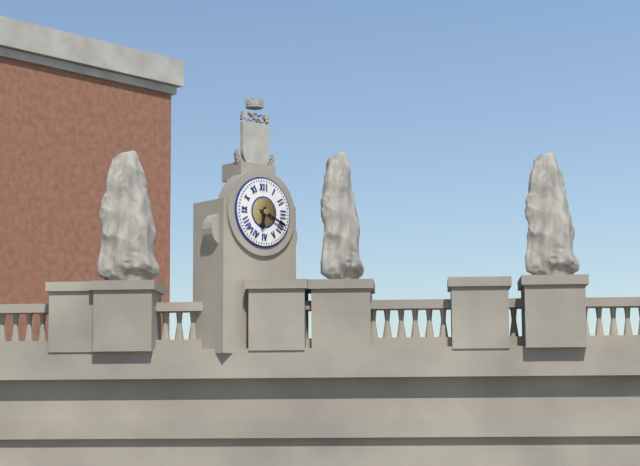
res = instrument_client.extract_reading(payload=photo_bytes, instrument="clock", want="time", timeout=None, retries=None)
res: 6:19
